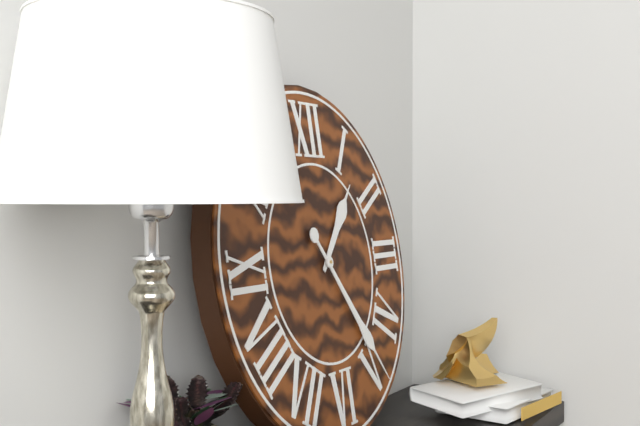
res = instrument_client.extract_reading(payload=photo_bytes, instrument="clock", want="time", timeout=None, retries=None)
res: 1:24
